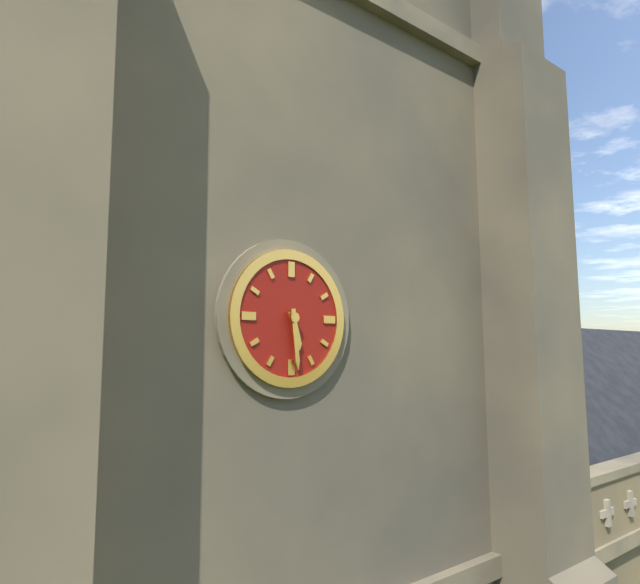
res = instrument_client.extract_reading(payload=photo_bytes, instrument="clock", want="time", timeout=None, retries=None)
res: 5:29
